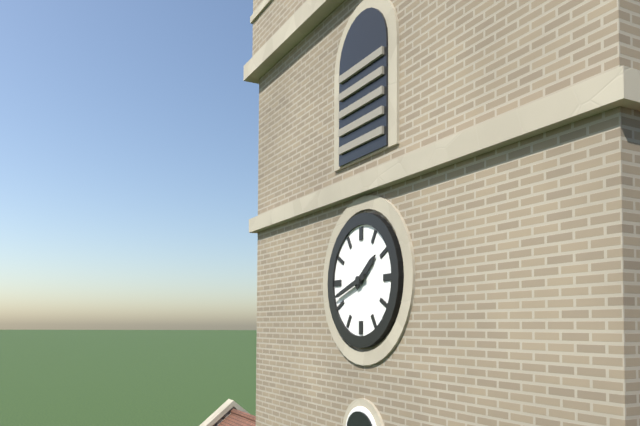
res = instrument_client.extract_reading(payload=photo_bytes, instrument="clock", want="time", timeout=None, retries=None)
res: 1:42
